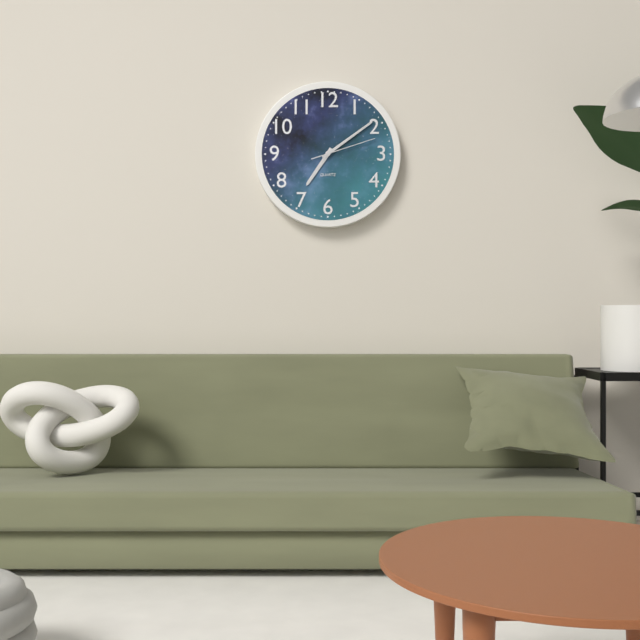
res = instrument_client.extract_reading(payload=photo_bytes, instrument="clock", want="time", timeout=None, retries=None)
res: 7:09:12
